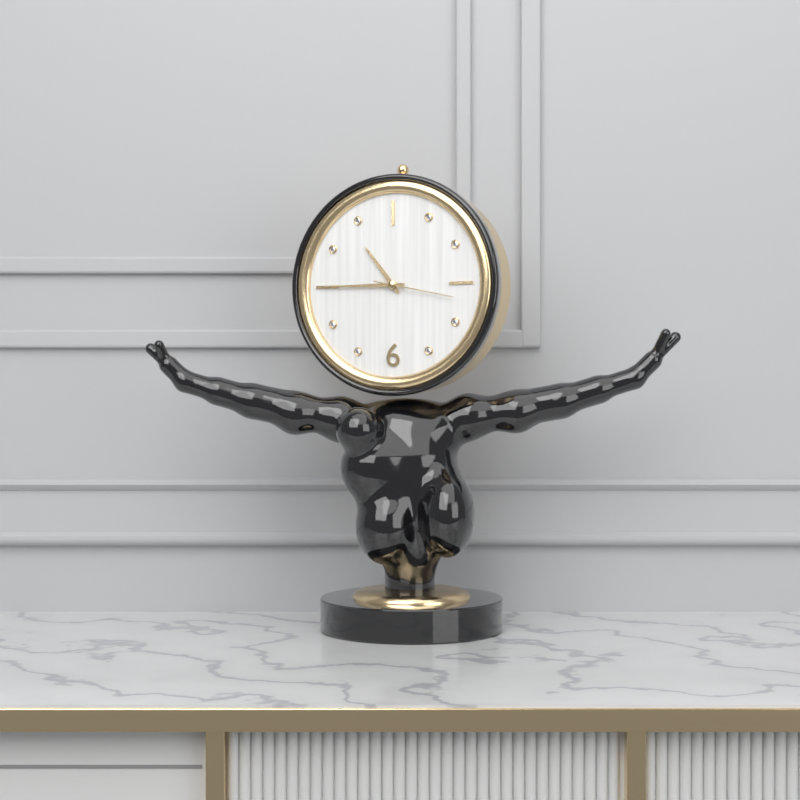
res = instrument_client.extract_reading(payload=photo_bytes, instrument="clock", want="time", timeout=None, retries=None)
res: 10:45:17
